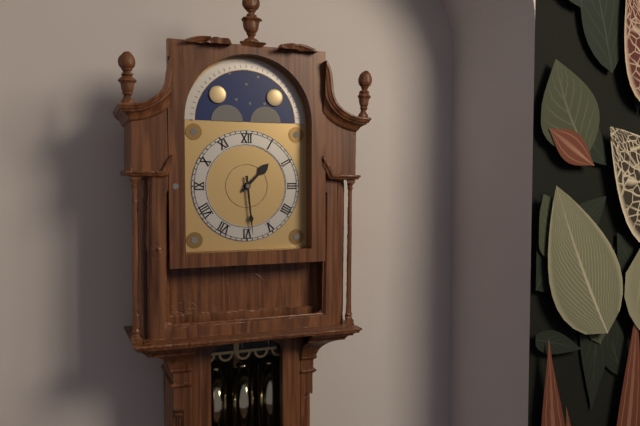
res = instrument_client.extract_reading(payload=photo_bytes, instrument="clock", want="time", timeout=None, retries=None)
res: 1:29
